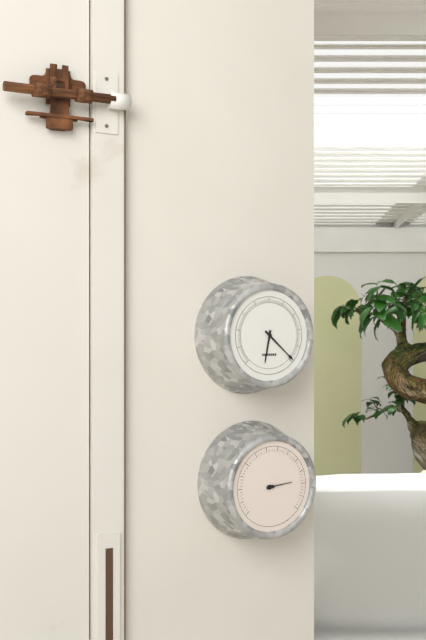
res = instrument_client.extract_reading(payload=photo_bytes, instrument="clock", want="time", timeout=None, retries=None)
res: 6:22
